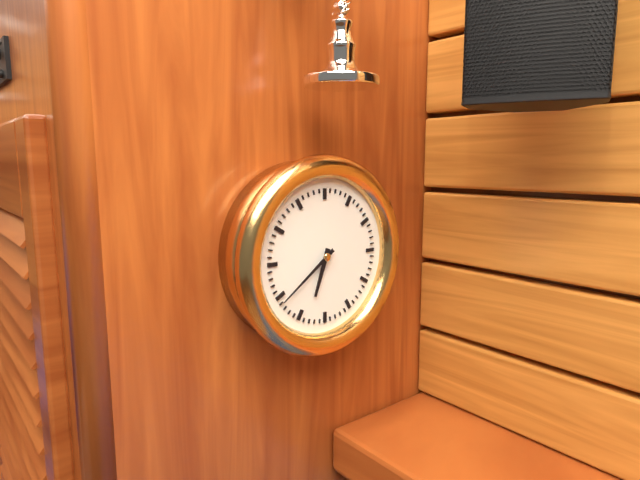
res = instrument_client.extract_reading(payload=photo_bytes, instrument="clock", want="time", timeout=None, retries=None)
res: 6:39
